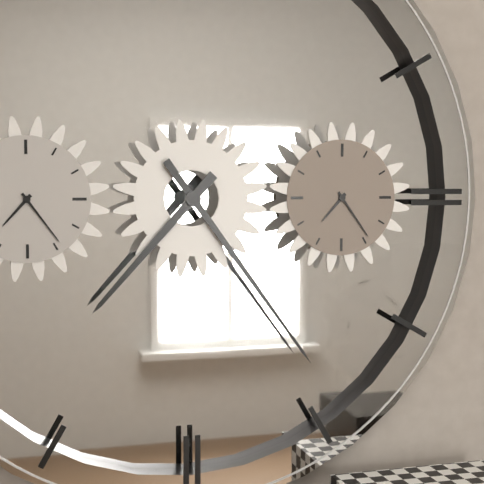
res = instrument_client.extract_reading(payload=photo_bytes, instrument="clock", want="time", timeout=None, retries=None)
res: 7:24
